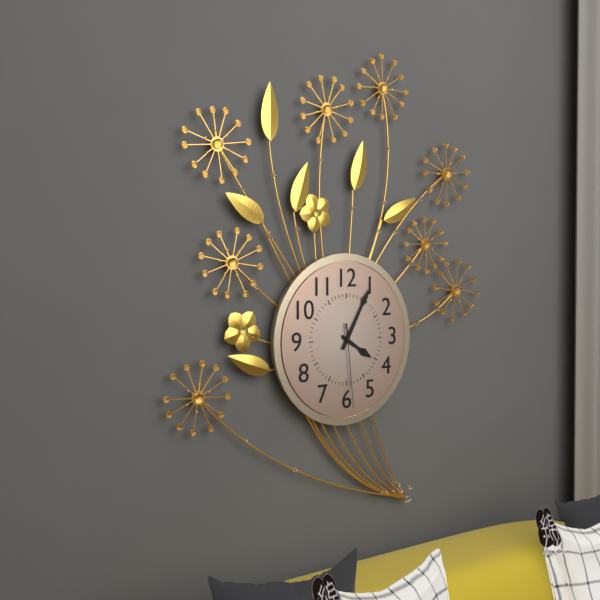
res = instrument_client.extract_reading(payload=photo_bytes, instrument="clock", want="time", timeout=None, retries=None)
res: 4:05:29
